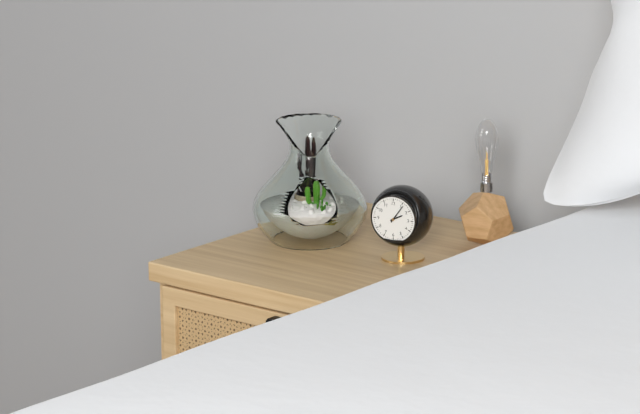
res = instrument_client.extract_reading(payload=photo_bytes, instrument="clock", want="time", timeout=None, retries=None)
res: 2:06
